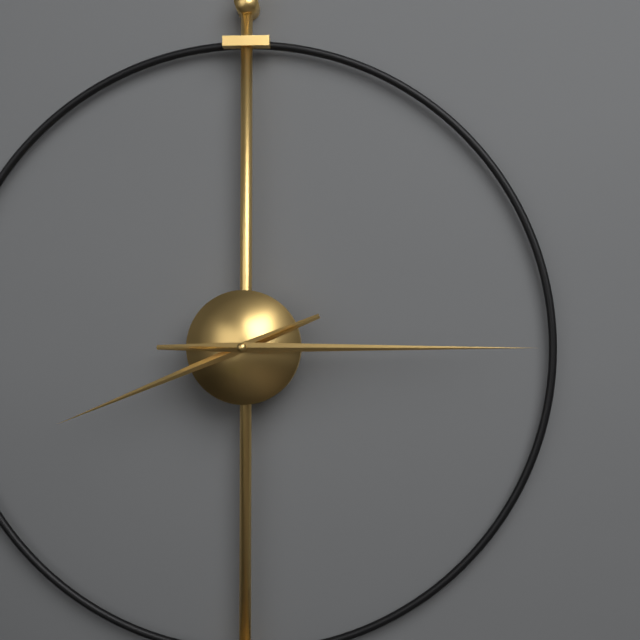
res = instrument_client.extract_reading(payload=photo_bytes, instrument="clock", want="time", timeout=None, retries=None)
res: 8:15
